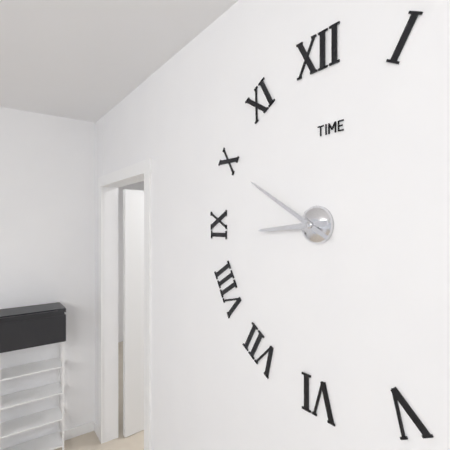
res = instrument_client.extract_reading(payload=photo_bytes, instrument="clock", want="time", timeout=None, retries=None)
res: 8:50
